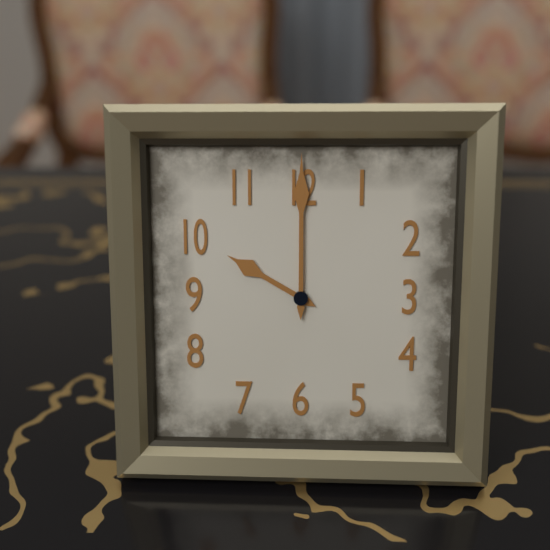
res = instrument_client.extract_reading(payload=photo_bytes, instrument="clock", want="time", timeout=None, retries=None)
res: 10:00
